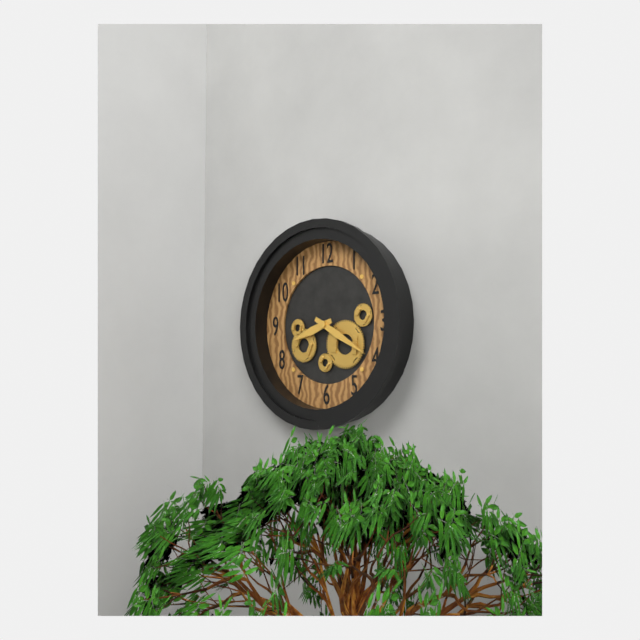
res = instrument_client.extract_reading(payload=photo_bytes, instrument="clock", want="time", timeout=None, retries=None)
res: 8:20
